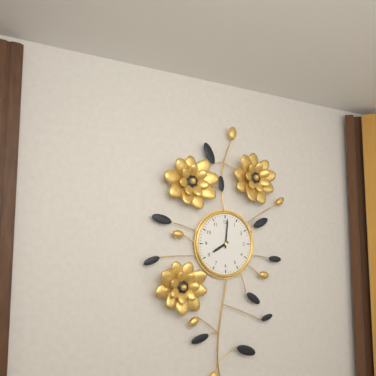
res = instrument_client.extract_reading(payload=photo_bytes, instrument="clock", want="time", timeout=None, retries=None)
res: 8:01
